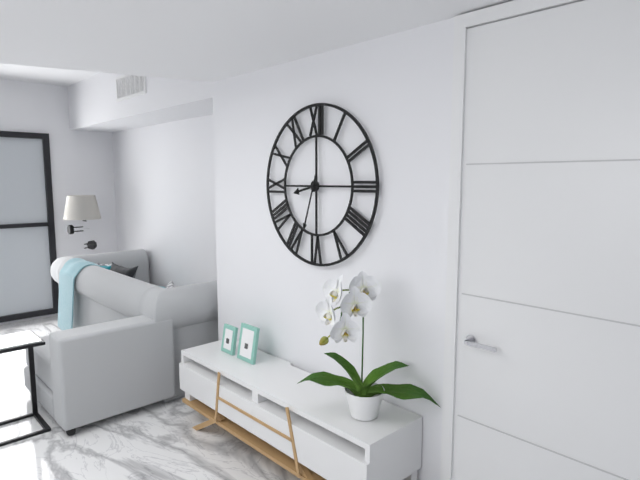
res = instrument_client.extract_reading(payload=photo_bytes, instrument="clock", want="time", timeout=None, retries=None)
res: 8:33
